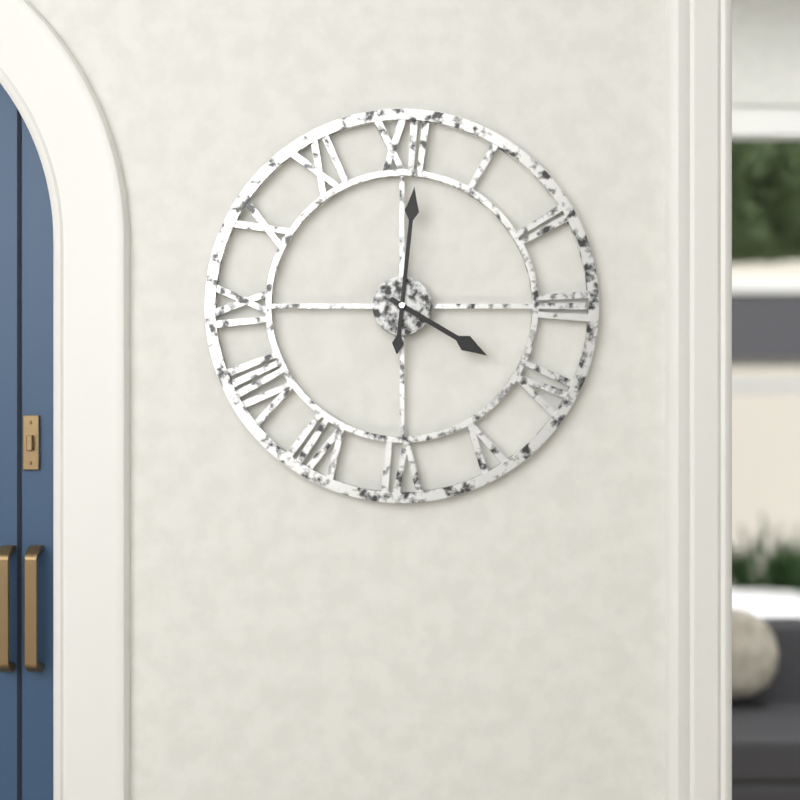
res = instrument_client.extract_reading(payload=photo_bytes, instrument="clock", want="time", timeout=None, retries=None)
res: 4:01
